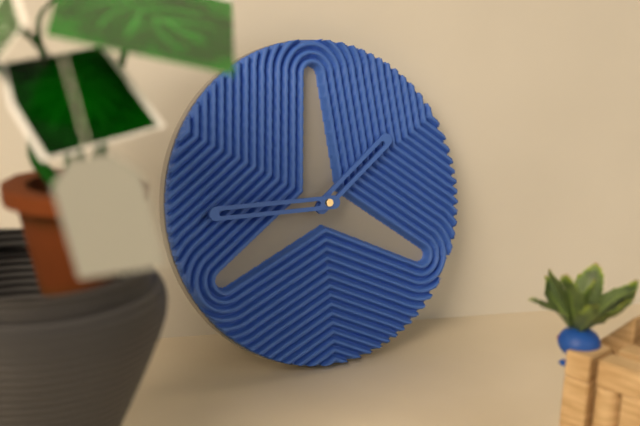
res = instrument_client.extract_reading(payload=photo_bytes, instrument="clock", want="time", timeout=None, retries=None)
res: 1:45
